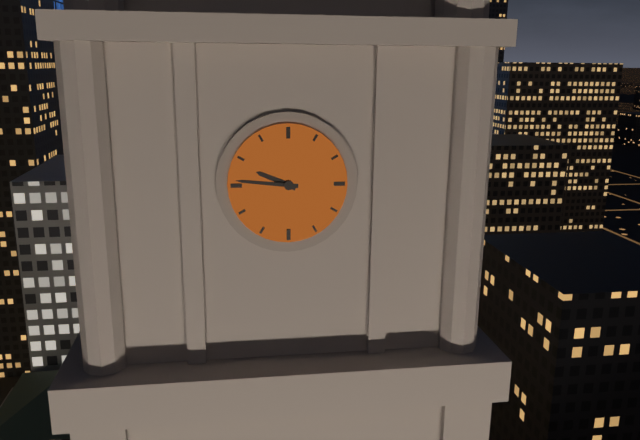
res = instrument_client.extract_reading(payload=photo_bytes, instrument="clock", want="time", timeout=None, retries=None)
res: 9:46
